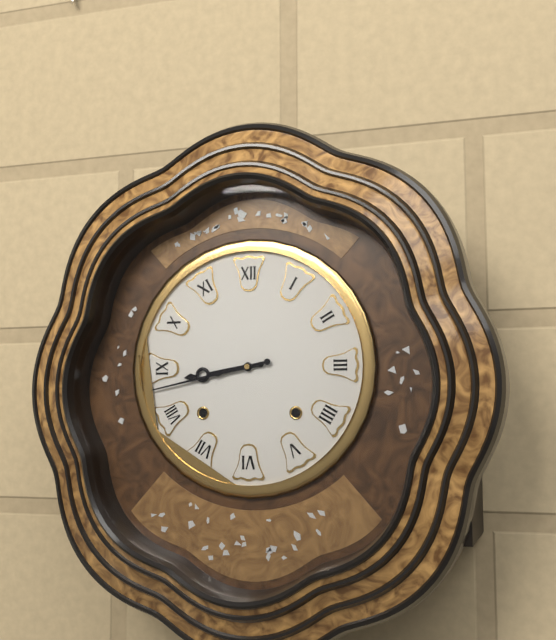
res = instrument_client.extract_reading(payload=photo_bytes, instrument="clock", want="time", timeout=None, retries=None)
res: 8:43
